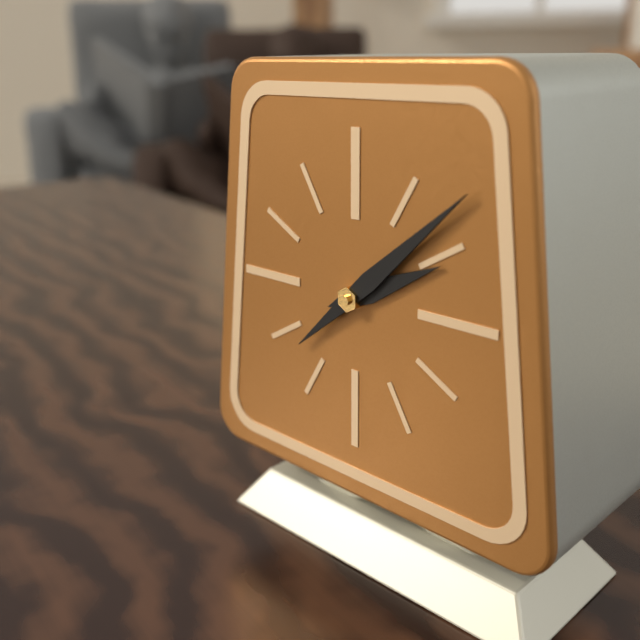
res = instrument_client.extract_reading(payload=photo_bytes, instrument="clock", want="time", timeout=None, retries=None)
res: 2:08
